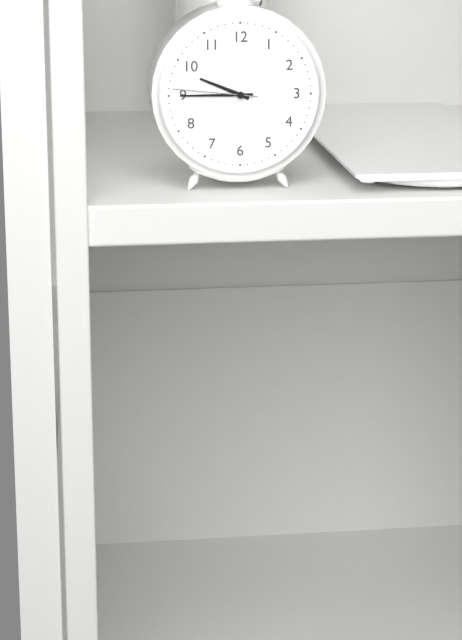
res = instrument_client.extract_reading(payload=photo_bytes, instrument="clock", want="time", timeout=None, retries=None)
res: 9:45:46
